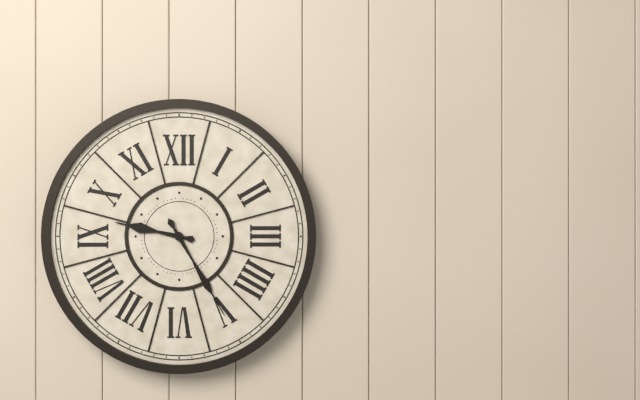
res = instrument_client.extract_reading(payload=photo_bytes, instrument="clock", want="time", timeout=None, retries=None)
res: 9:25
